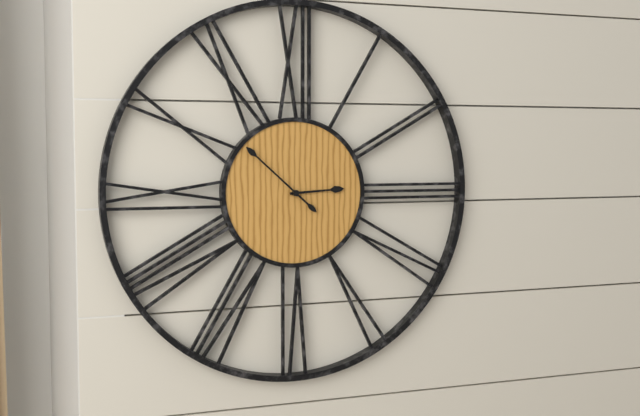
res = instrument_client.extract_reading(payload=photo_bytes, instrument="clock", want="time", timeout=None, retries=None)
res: 2:52
